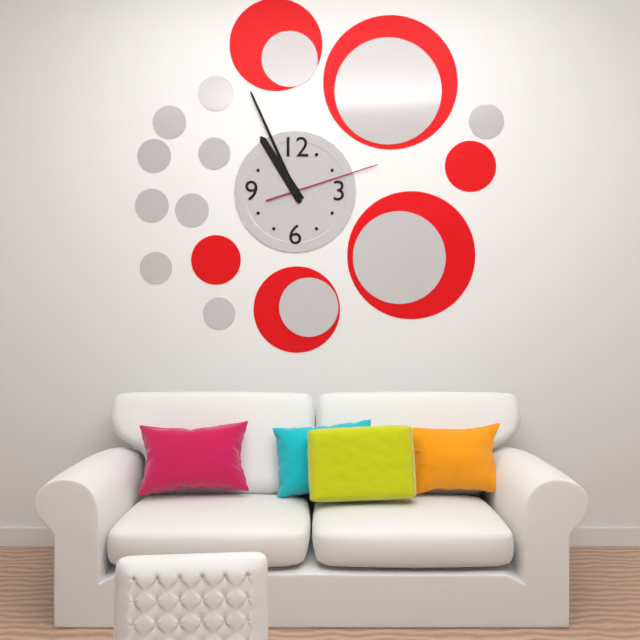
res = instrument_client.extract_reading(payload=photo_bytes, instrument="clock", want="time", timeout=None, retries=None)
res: 10:56:12
